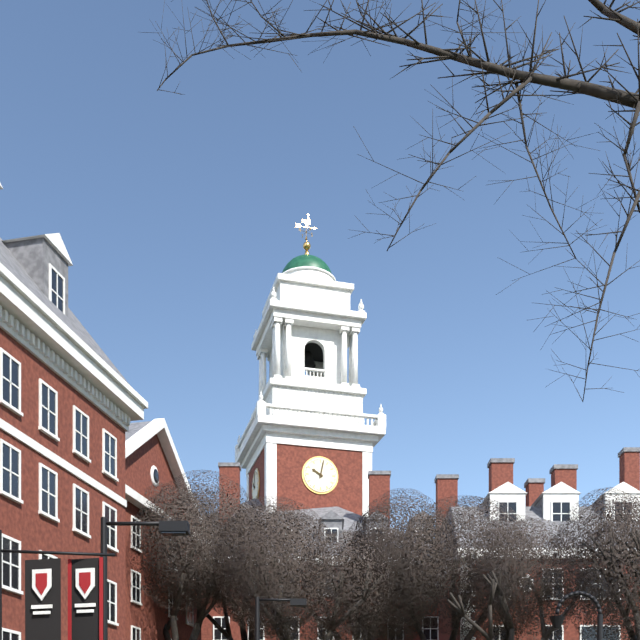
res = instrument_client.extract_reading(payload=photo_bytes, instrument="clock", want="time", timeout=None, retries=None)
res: 10:02
